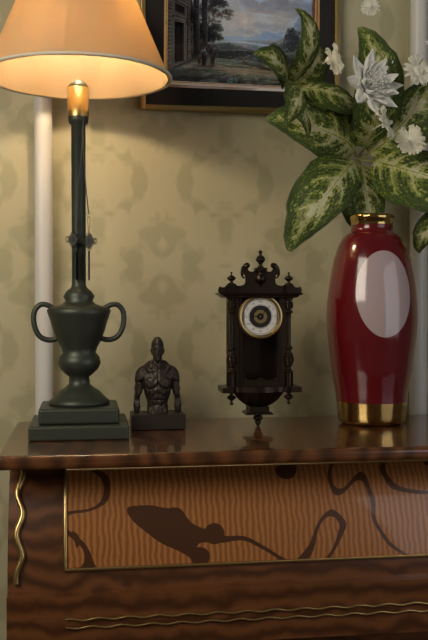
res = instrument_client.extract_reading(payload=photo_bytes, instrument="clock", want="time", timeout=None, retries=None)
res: 9:07
